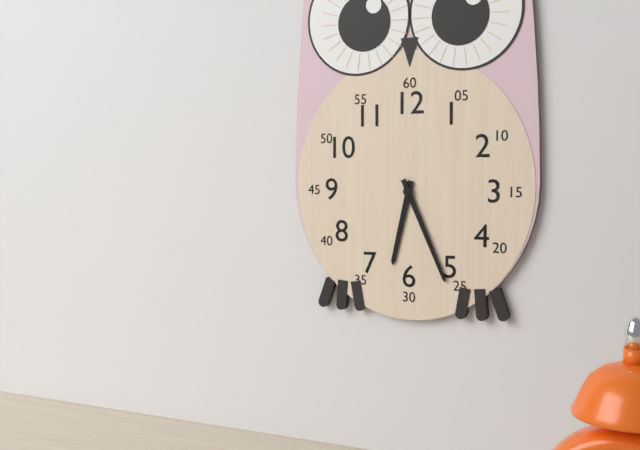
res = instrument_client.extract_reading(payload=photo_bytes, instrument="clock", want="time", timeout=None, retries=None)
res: 6:26
